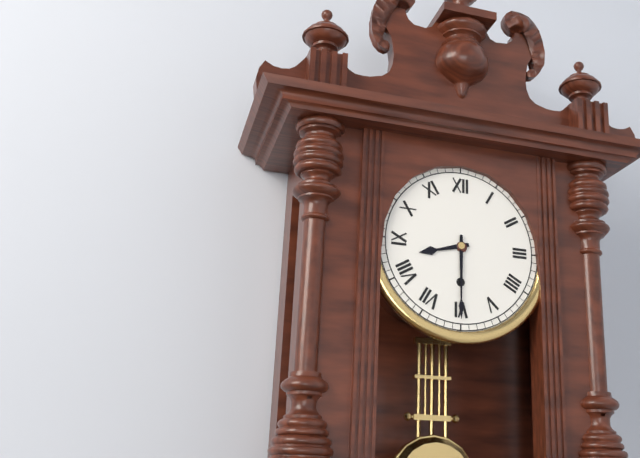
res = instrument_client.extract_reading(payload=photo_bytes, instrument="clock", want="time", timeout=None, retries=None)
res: 8:30
